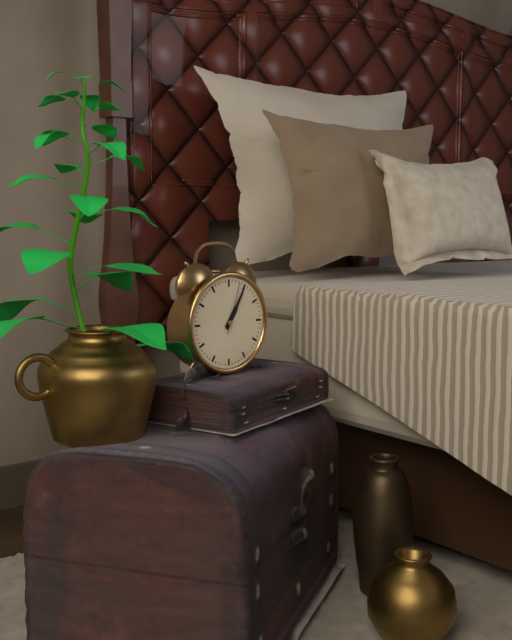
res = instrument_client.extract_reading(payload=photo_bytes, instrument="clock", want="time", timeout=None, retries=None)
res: 1:05:03
